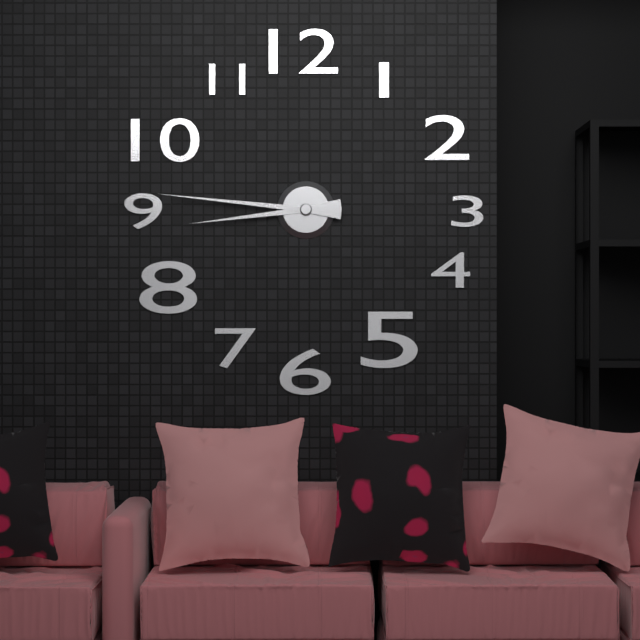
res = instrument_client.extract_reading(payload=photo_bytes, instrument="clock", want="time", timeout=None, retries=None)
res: 8:46
